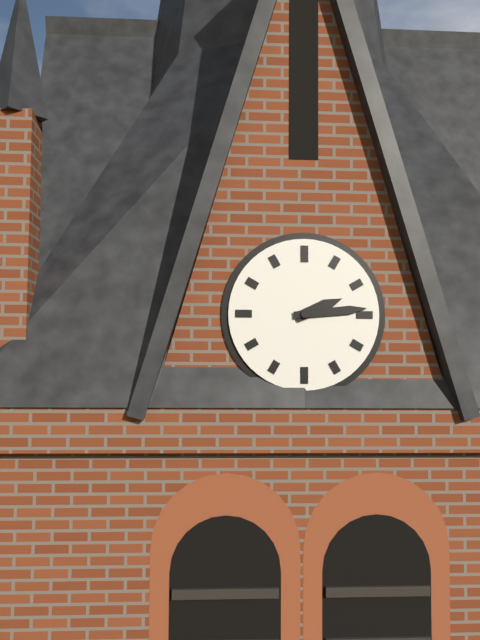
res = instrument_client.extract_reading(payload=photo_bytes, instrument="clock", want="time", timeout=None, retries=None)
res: 2:14
